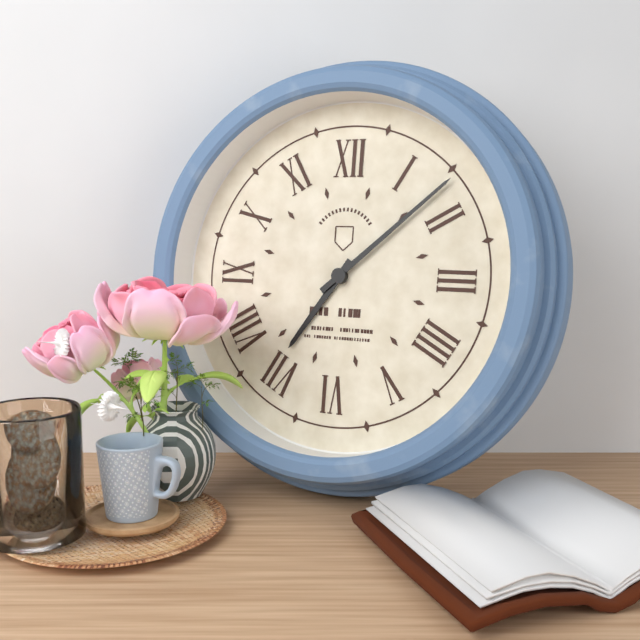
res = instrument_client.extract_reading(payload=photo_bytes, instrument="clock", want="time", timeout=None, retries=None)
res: 7:08
